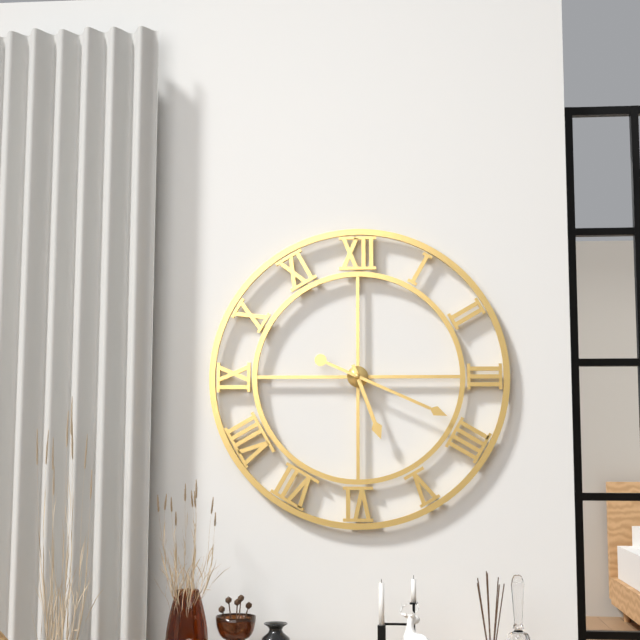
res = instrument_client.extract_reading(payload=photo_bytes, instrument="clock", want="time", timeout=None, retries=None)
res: 5:19
